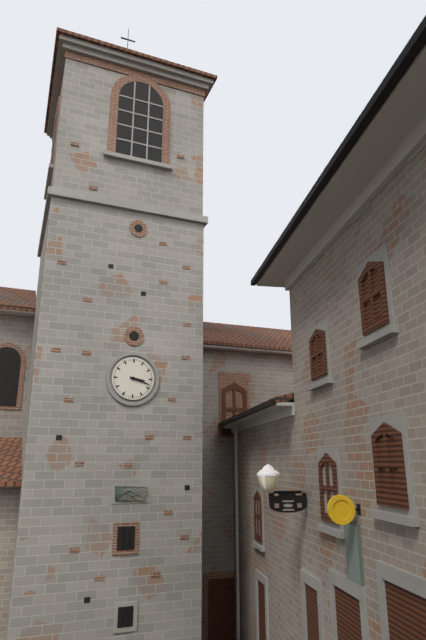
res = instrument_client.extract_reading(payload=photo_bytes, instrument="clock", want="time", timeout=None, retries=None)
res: 3:18
